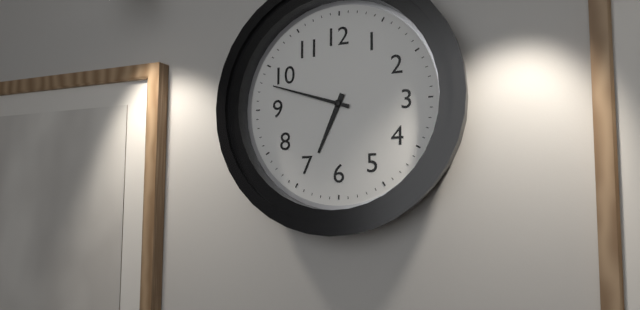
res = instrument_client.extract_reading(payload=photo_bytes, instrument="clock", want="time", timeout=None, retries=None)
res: 6:48
